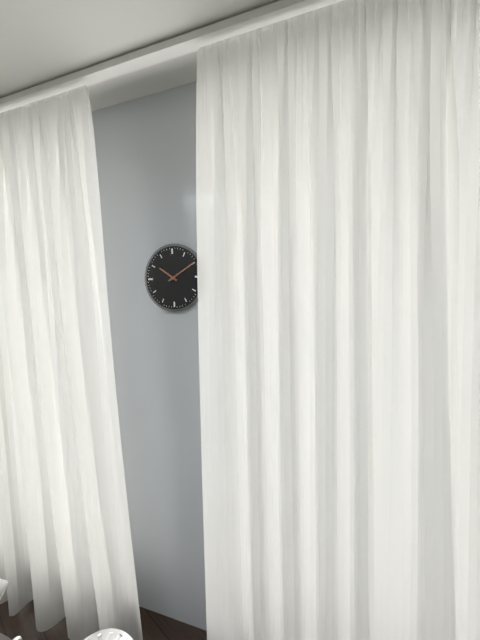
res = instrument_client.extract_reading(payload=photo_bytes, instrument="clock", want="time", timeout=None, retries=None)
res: 10:10
